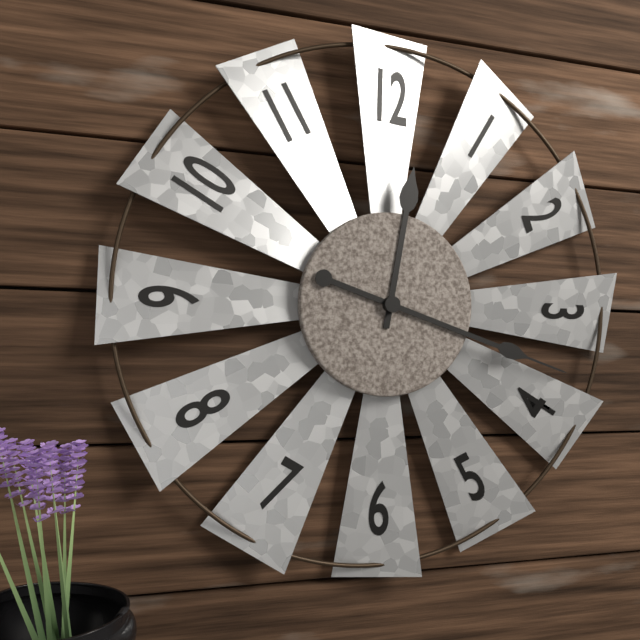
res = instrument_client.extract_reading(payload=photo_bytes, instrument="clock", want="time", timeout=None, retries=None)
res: 12:18
